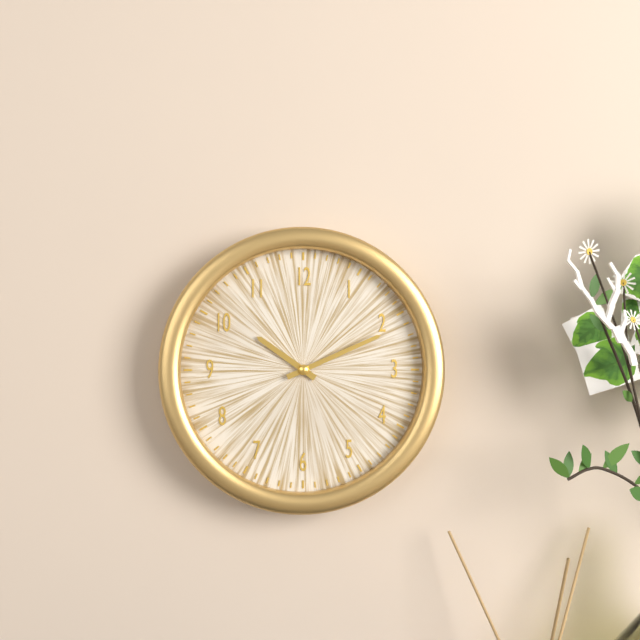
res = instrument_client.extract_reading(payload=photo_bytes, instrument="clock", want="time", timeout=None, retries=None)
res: 10:11
